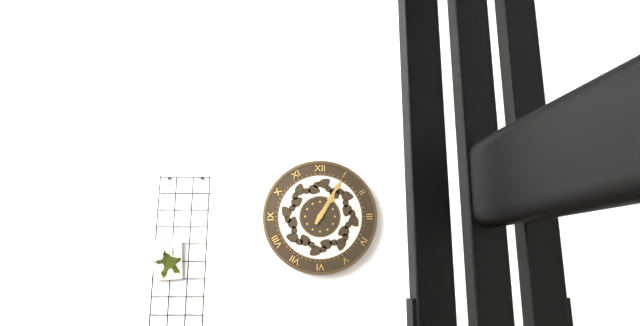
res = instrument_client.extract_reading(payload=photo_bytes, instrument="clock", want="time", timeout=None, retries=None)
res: 1:05
